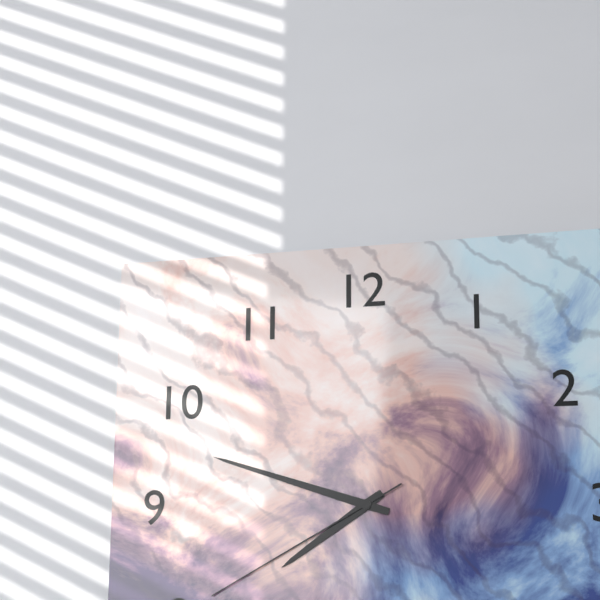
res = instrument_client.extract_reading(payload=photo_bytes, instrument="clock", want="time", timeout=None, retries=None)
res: 7:48:40
